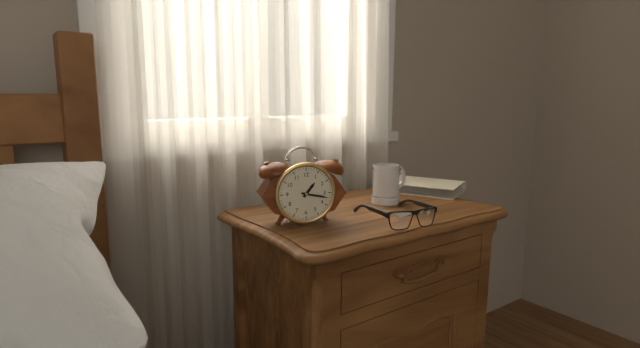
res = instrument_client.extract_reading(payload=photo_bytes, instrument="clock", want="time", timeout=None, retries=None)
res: 1:17
